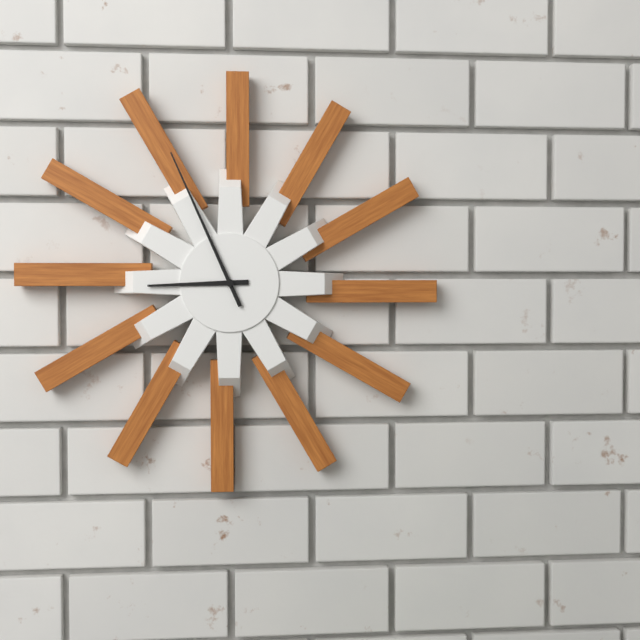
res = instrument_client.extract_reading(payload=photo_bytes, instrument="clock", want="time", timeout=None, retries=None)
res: 8:56
